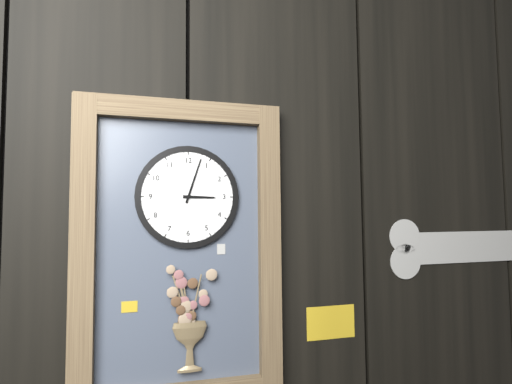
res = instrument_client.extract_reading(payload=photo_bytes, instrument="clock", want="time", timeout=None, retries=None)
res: 3:03
